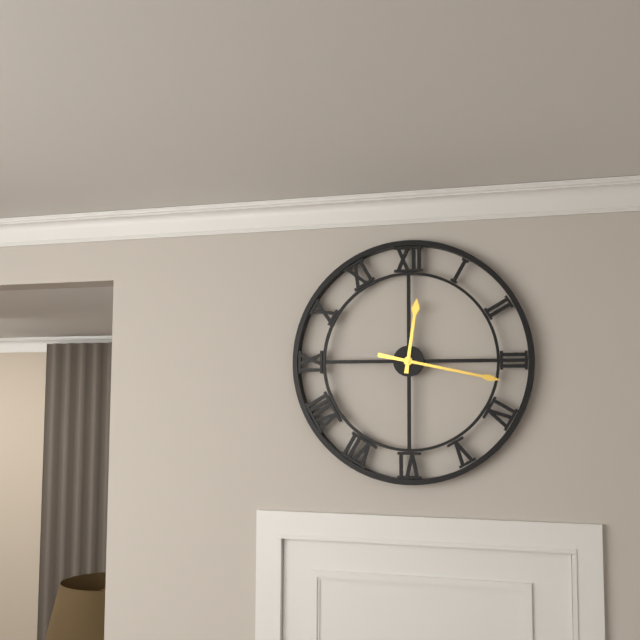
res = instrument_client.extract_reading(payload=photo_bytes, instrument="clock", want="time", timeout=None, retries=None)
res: 12:17
